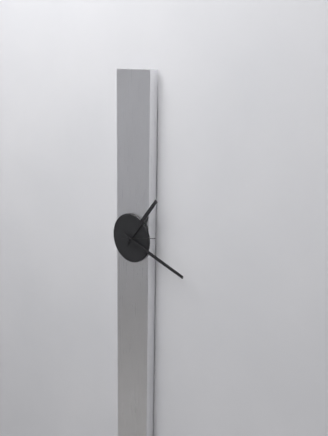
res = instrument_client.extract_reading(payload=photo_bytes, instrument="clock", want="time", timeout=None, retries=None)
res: 1:18
